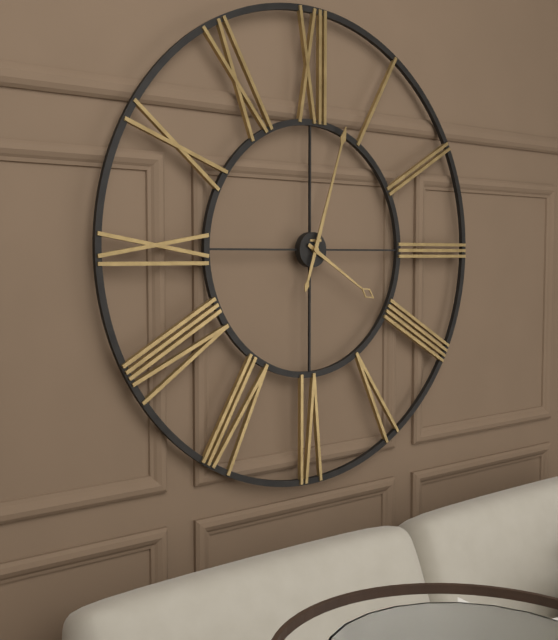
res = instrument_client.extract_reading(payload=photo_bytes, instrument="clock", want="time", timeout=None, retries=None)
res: 4:03
